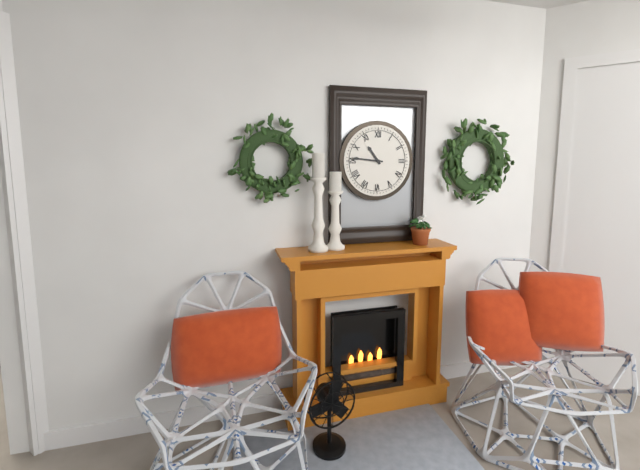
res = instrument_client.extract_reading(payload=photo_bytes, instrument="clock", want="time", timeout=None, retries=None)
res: 10:46
